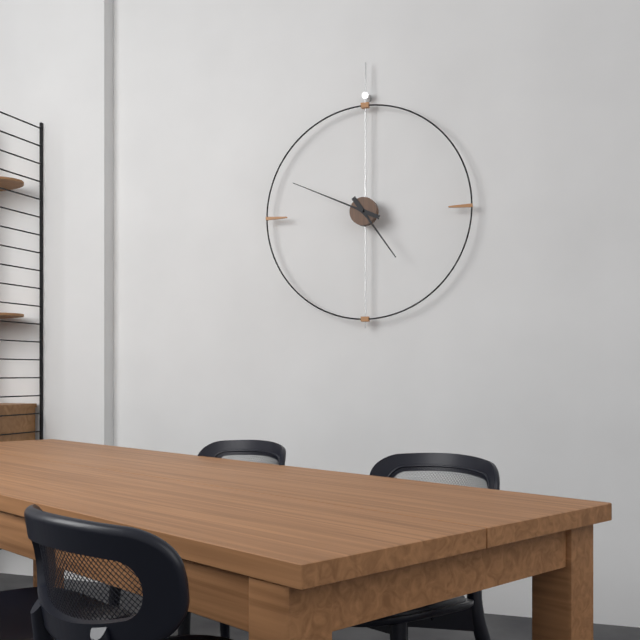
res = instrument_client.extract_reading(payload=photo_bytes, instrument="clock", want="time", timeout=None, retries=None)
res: 4:49
